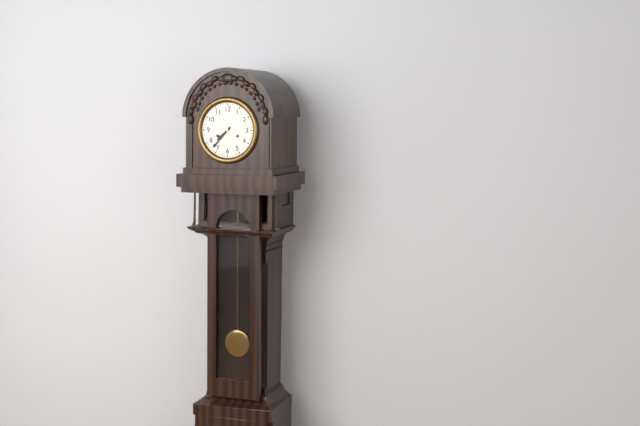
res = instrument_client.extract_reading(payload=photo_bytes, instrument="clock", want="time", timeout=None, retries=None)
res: 7:37
